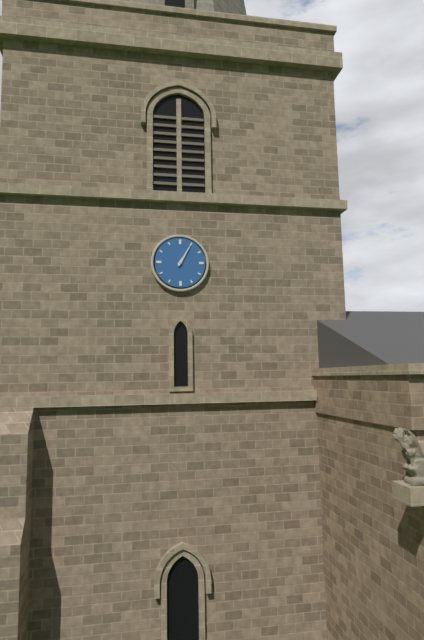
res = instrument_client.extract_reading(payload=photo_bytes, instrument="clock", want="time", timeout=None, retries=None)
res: 1:05
